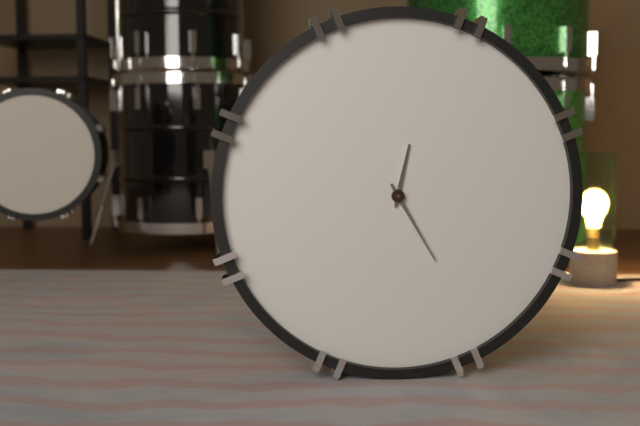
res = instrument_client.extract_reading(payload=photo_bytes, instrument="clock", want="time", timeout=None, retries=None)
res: 12:25
